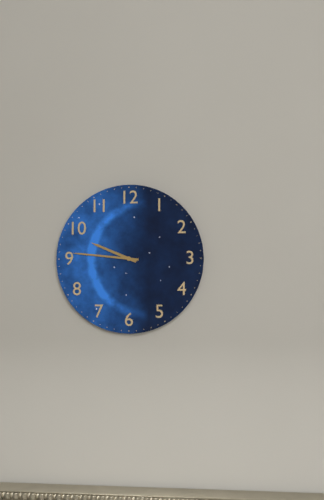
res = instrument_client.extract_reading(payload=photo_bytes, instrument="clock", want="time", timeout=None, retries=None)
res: 9:46
